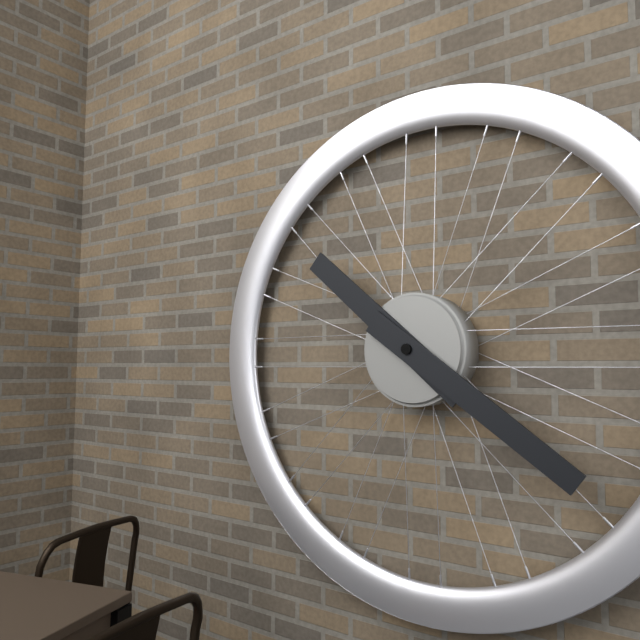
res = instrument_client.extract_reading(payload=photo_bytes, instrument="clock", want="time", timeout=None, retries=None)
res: 10:21
